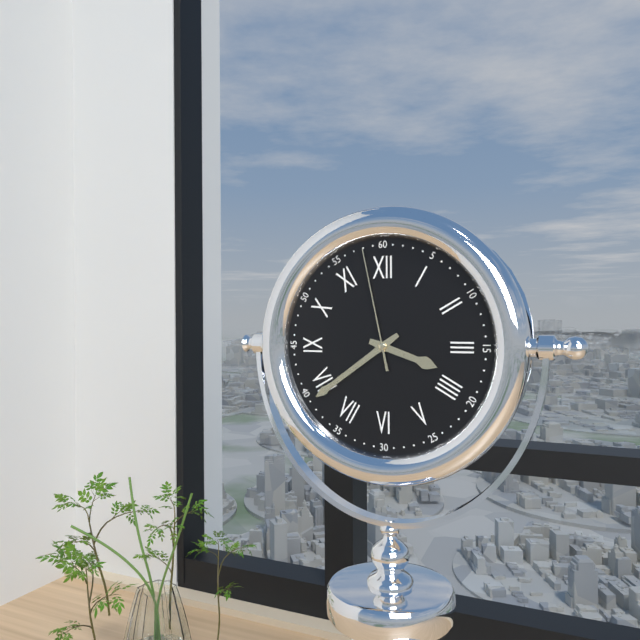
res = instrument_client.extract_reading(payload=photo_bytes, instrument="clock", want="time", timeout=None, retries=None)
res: 3:39:58
